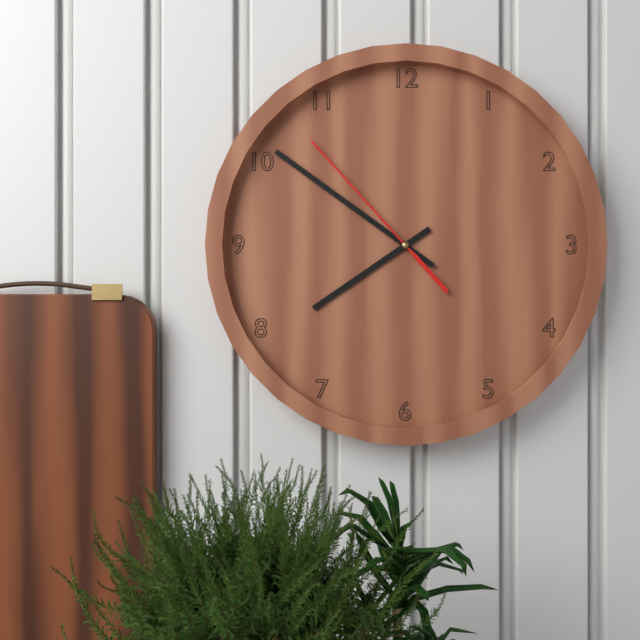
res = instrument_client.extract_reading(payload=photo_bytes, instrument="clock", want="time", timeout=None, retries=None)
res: 7:51:53
